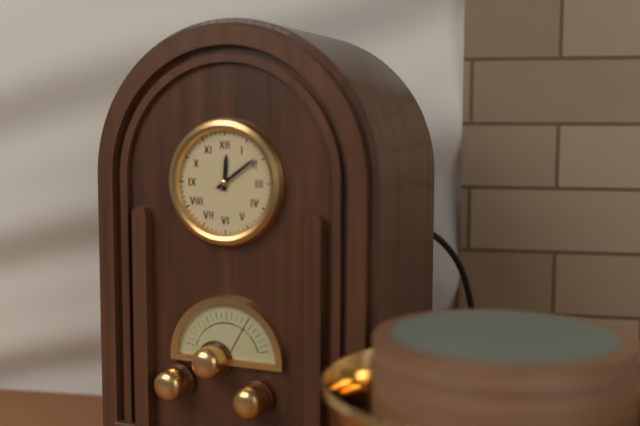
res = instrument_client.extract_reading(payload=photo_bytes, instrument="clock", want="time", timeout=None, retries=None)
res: 12:09
